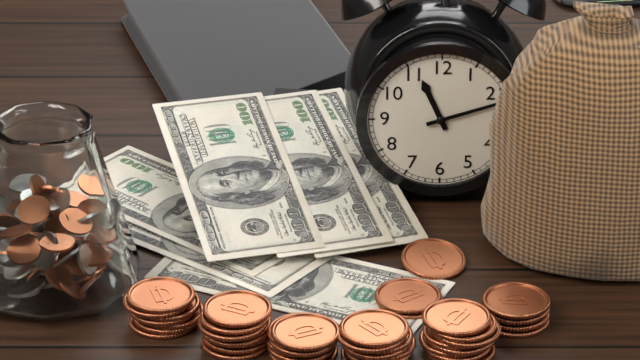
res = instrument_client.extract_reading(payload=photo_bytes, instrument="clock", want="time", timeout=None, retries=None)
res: 11:12
